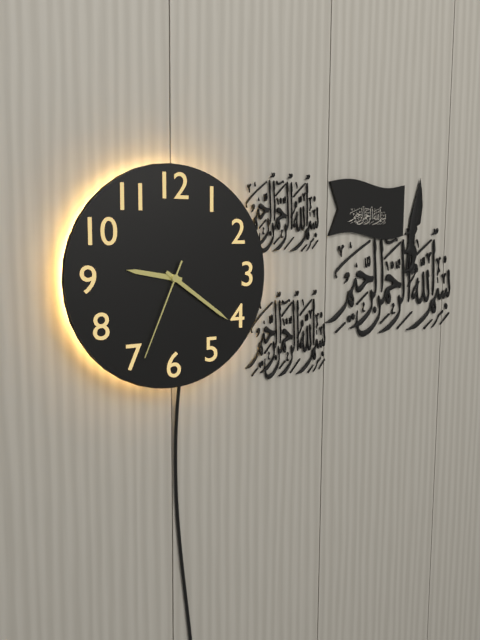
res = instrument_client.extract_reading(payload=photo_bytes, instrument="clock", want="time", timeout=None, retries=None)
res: 9:21:34
